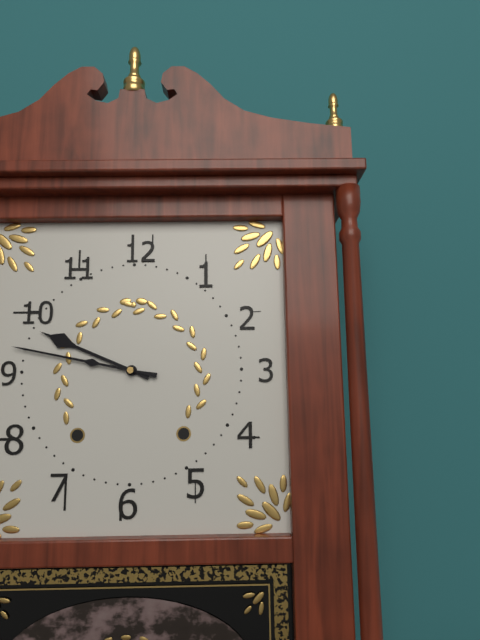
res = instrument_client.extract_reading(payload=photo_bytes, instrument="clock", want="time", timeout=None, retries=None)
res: 9:47
